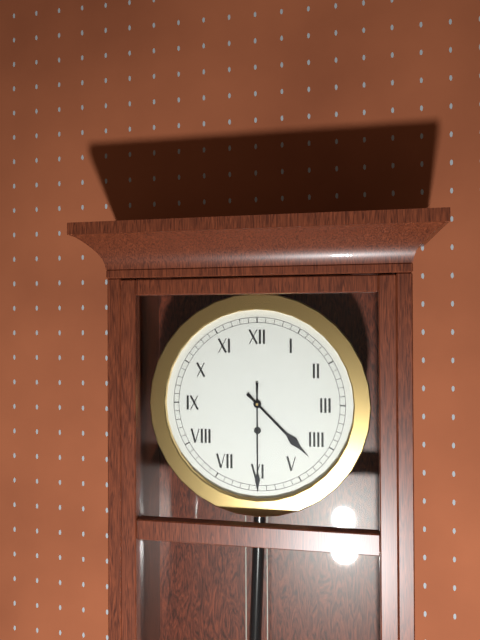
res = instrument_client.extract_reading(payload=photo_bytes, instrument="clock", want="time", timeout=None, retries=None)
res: 4:30
